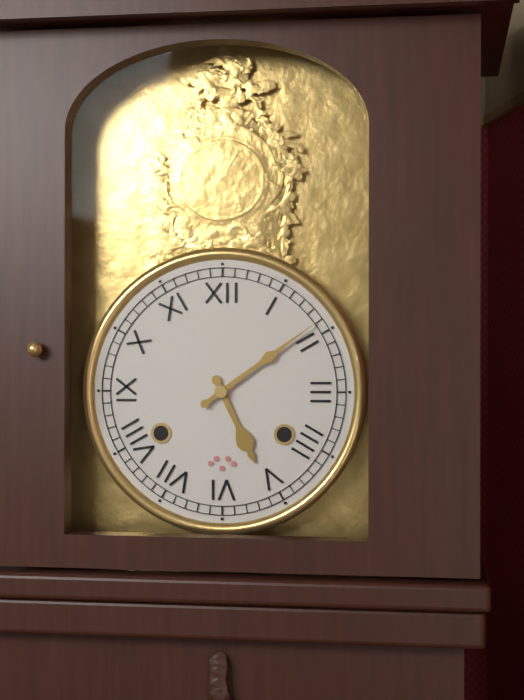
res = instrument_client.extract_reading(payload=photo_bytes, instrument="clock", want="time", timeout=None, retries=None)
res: 5:09
